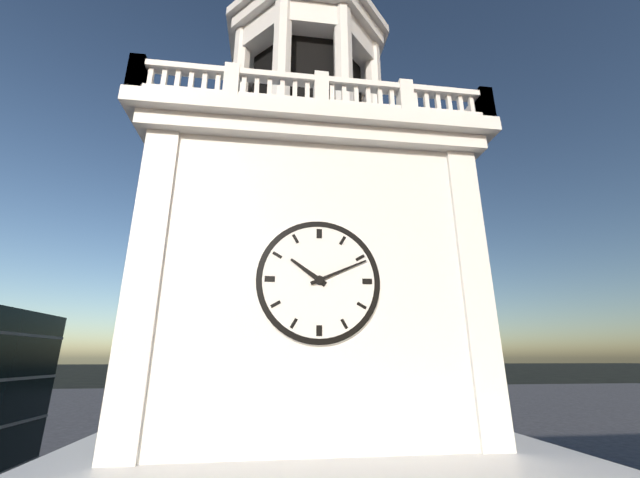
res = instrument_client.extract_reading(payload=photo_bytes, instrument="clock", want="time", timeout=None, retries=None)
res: 10:11
